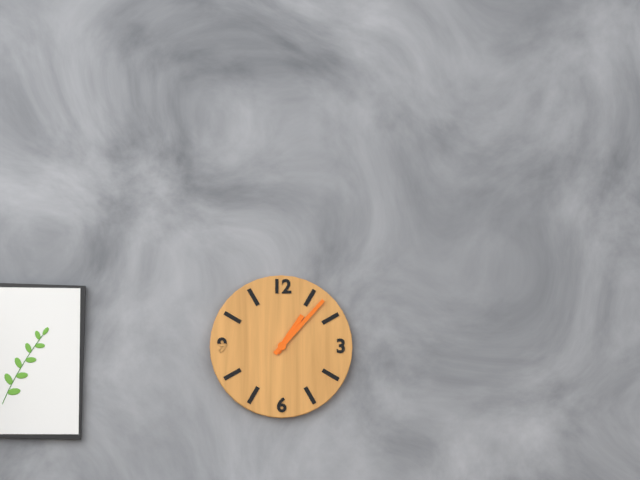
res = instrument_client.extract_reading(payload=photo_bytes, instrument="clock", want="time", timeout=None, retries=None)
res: 1:07
